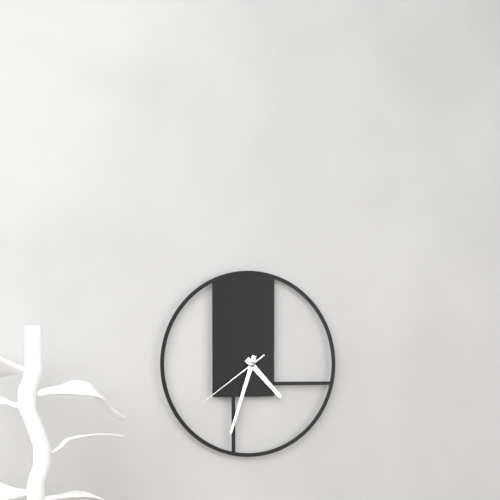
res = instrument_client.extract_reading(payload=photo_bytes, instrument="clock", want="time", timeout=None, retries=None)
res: 4:33:39
